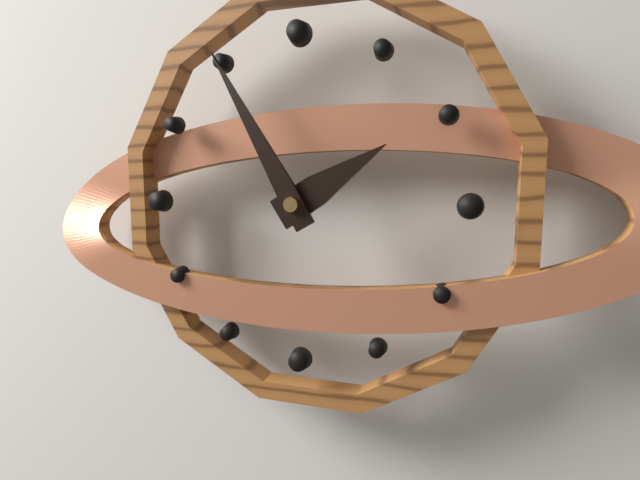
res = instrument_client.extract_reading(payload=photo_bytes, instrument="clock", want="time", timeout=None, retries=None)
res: 1:55
